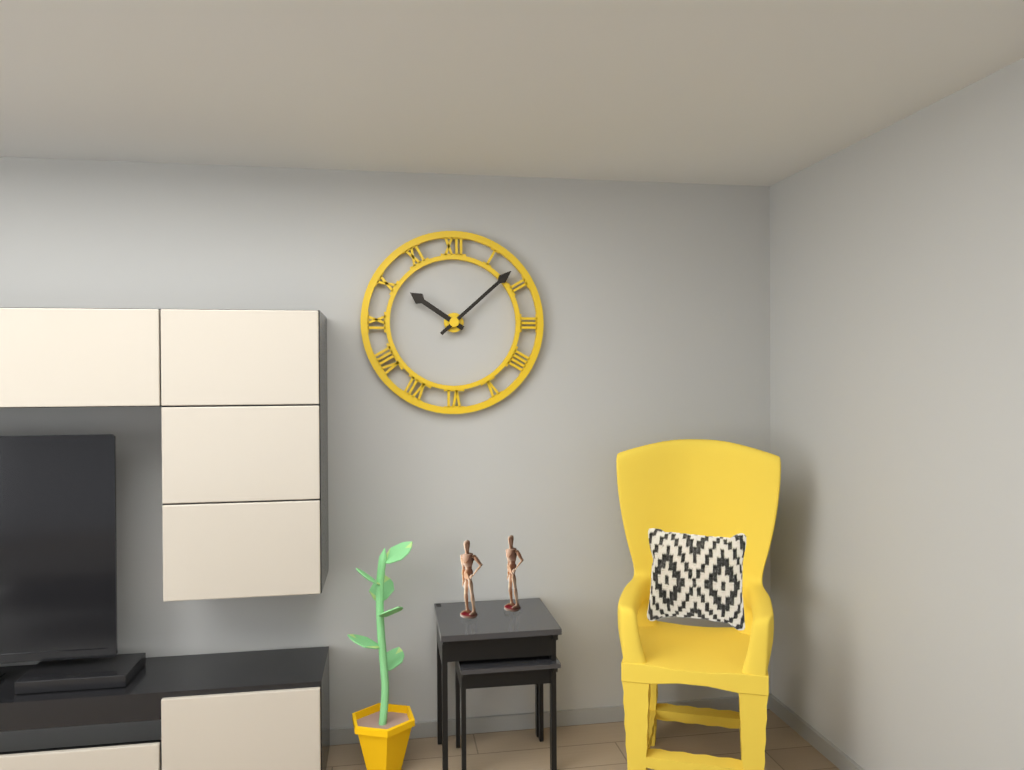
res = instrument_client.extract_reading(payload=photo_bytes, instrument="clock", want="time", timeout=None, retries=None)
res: 10:08
